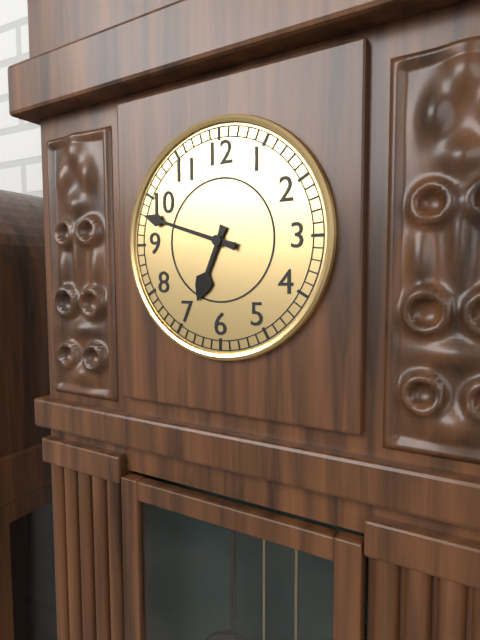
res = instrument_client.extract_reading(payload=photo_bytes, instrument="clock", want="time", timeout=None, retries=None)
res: 6:48
